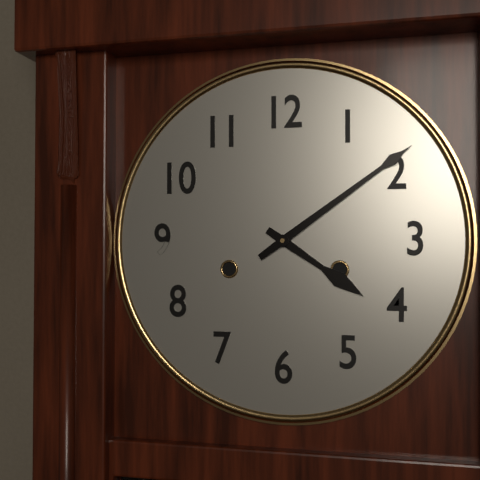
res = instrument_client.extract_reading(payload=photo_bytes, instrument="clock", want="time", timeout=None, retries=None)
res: 4:09
